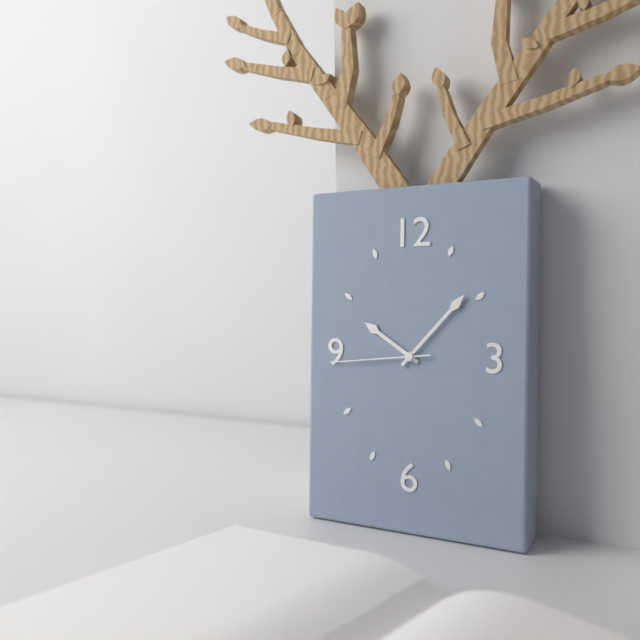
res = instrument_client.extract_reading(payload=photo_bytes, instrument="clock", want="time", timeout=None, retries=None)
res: 10:07:44
